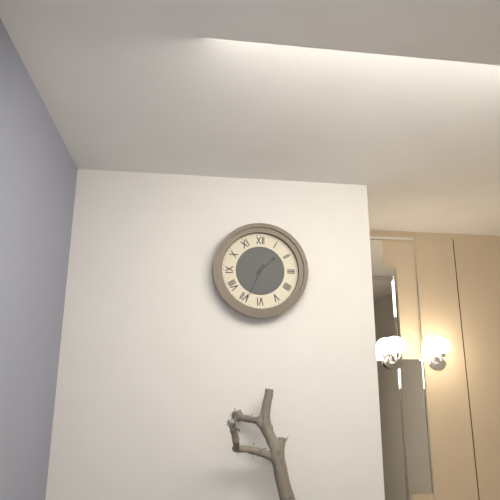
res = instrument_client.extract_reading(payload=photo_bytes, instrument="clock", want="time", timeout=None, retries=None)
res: 1:34
